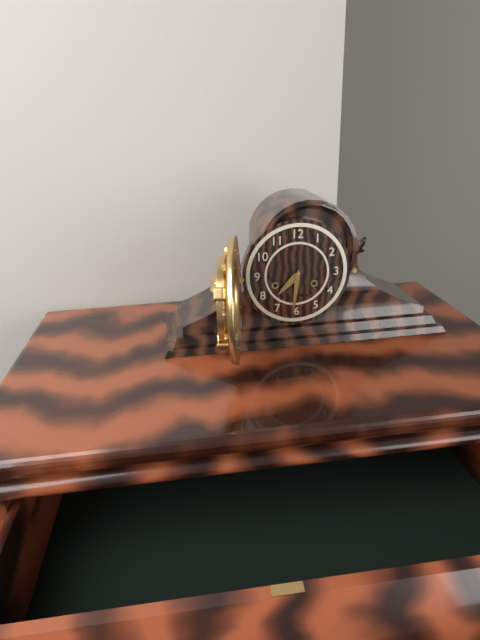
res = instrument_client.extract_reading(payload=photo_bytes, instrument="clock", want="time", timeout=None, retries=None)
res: 7:31
